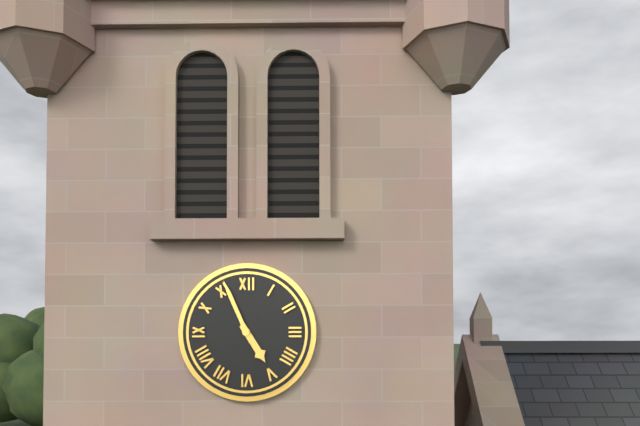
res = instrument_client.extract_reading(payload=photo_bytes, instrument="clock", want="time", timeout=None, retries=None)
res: 4:56
